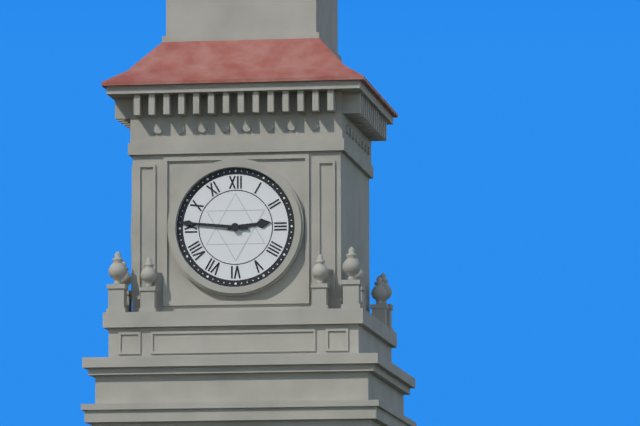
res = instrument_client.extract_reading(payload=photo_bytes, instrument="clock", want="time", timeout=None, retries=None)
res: 2:46
